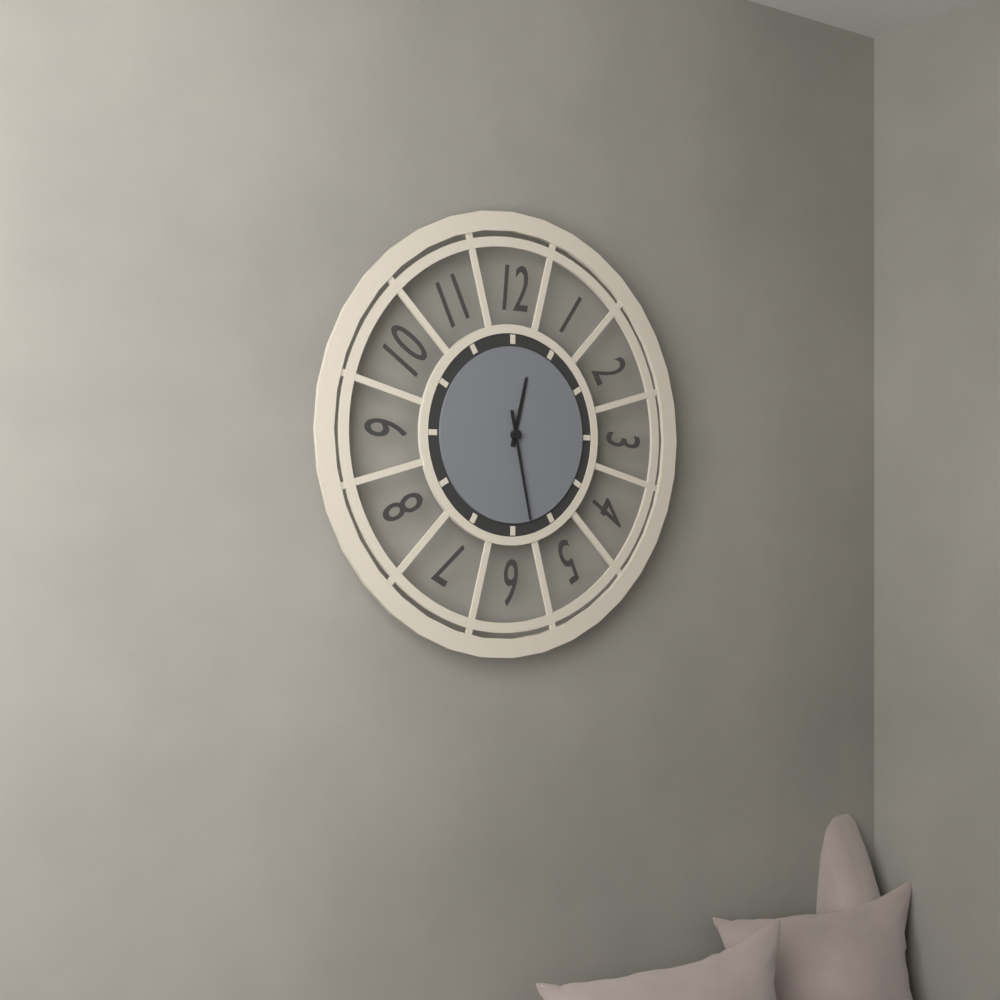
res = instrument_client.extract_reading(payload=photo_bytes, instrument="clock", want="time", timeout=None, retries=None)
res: 12:28
